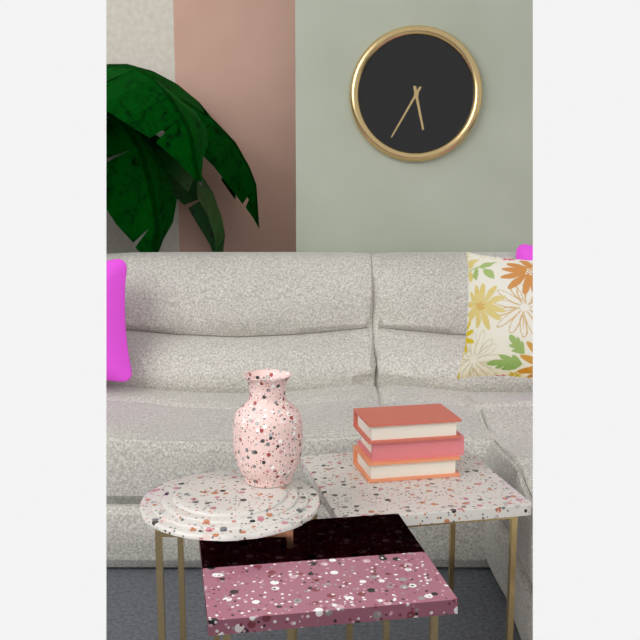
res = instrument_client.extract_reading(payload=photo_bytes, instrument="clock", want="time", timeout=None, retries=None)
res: 5:35
